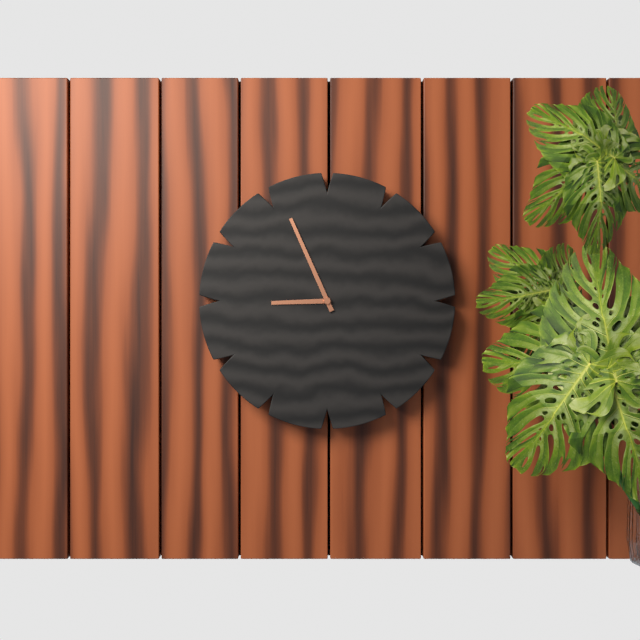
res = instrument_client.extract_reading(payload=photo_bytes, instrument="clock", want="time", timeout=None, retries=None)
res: 8:56
